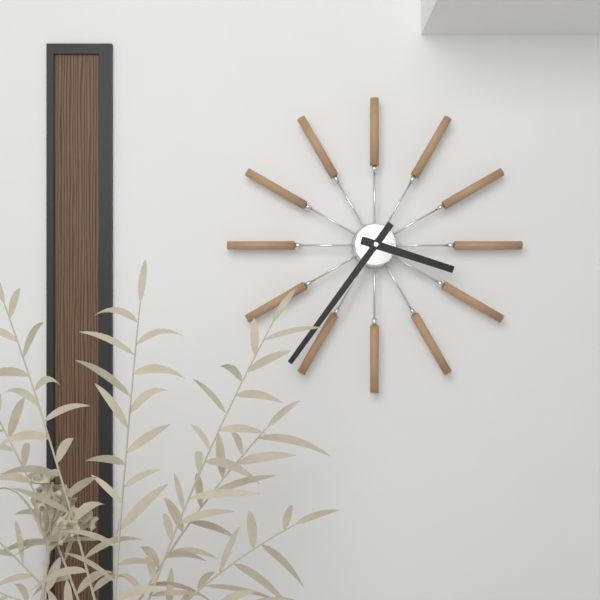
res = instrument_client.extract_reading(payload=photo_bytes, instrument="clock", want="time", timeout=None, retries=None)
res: 3:36
